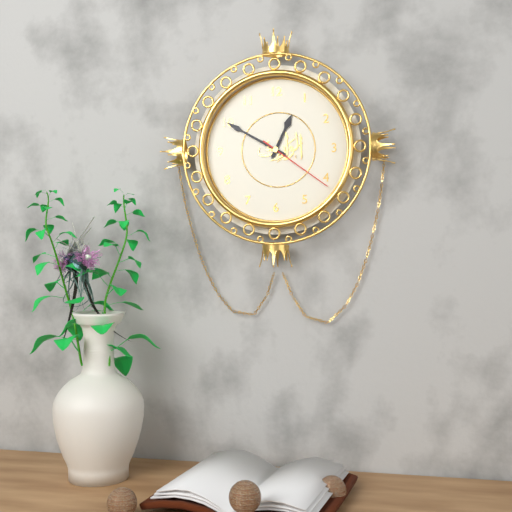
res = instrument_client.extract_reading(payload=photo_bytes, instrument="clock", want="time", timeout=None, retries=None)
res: 12:50:21
